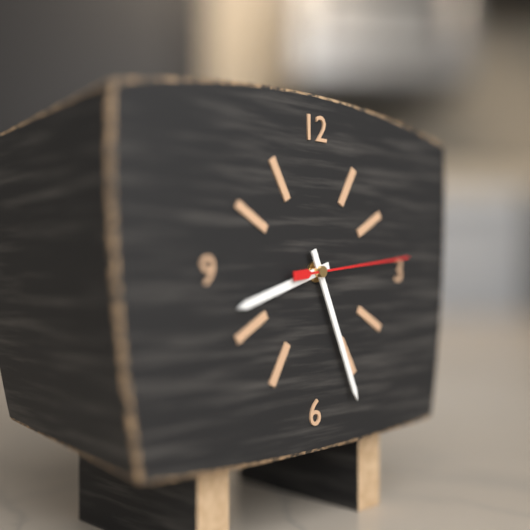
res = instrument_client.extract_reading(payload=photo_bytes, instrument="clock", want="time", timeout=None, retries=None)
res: 8:26:14
